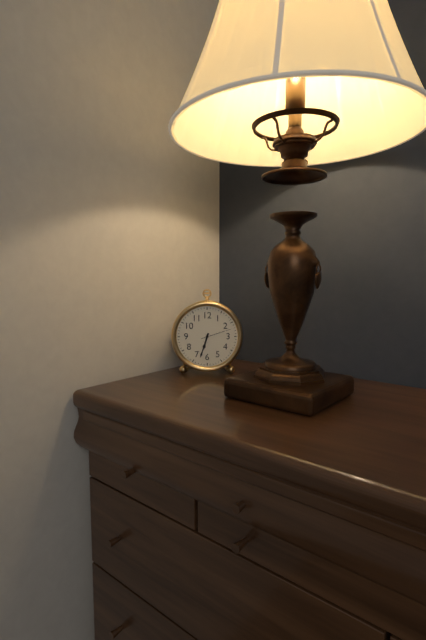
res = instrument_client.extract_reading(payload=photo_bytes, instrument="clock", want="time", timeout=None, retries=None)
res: 6:33
